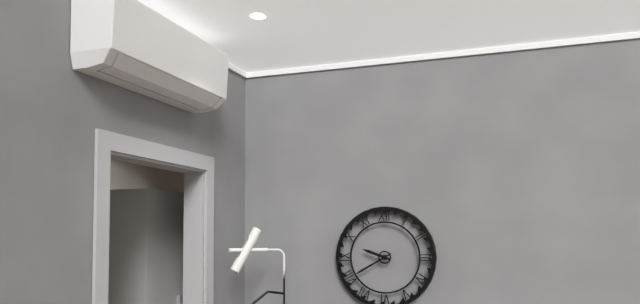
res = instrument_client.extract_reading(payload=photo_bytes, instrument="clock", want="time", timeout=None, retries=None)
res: 9:40
